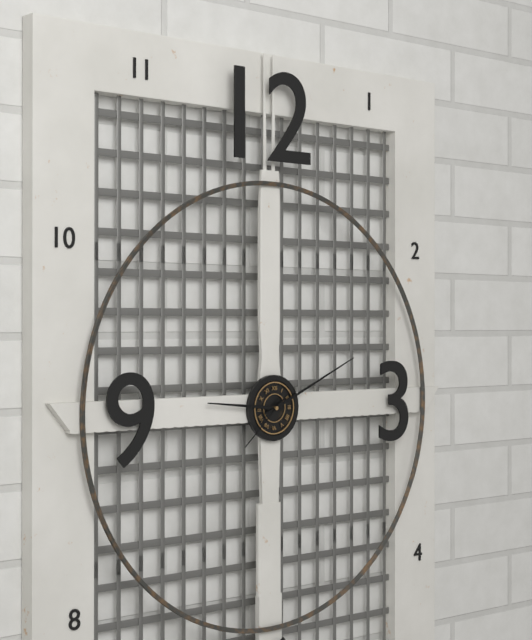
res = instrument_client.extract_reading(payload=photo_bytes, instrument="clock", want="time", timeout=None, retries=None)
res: 9:11:38
